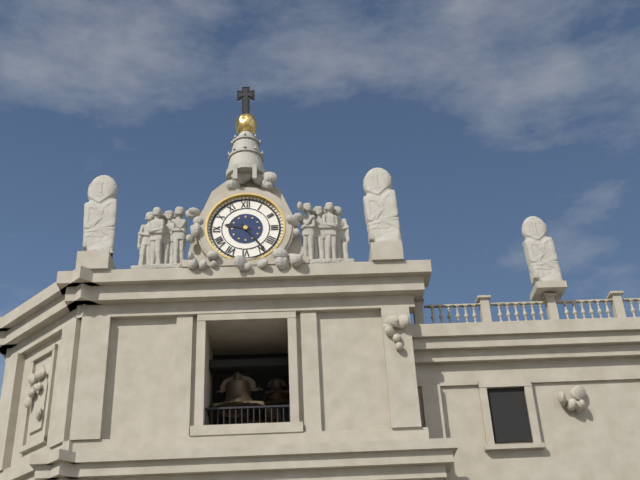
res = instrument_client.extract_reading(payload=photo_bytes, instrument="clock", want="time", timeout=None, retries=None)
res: 9:24
